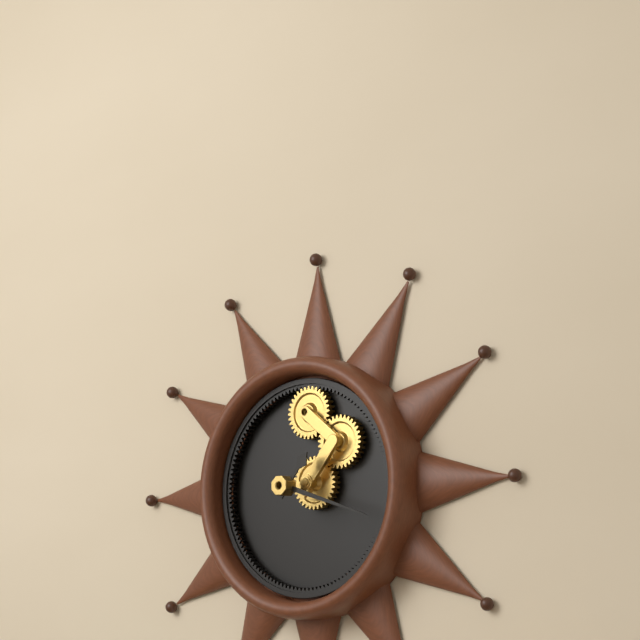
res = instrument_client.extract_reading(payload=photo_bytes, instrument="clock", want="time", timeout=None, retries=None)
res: 1:18
